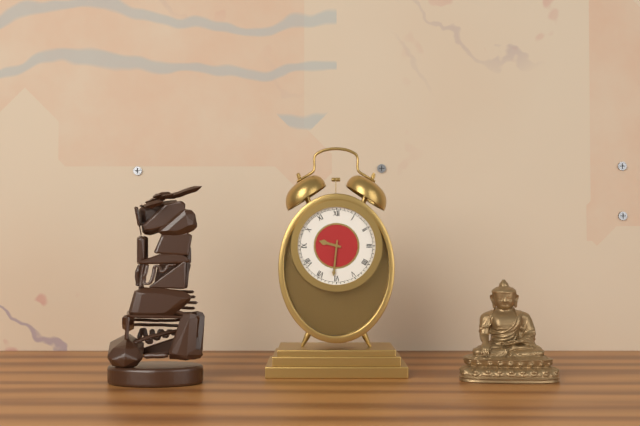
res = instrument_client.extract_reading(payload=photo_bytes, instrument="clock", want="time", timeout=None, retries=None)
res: 9:31
